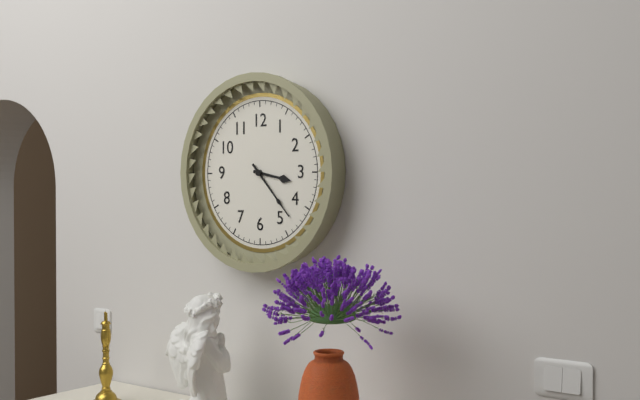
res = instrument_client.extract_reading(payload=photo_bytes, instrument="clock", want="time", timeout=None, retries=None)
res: 3:23
